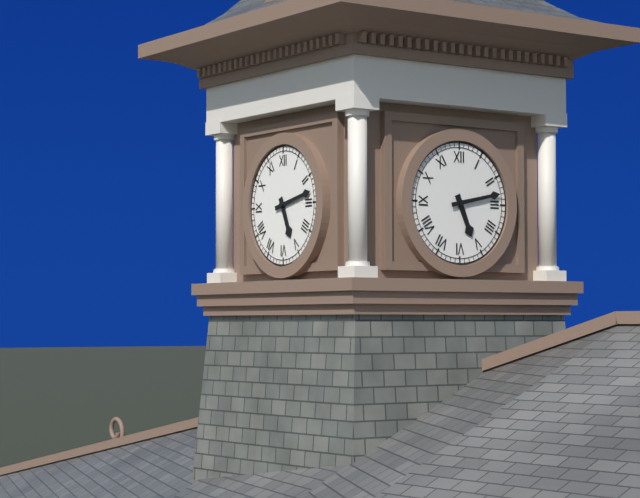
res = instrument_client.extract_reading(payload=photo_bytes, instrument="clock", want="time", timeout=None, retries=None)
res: 5:13
